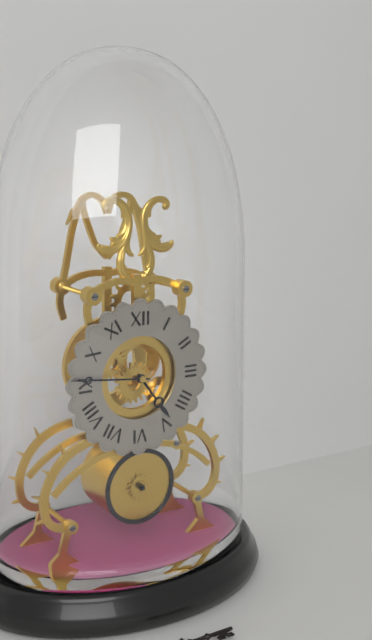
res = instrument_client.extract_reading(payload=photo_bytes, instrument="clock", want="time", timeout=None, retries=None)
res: 4:46
